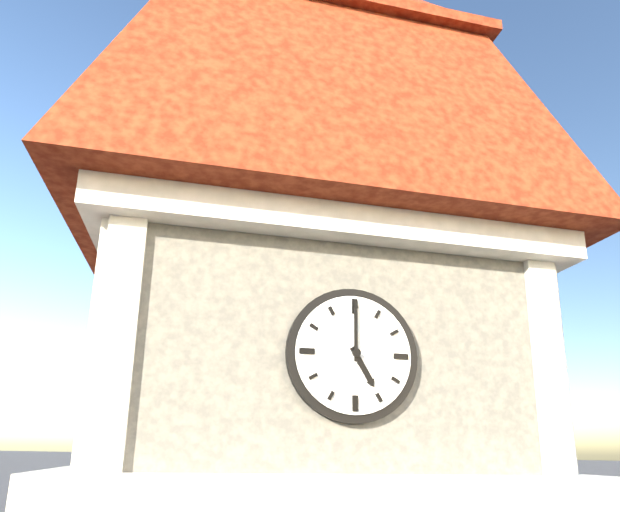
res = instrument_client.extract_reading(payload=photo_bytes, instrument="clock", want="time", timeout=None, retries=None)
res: 5:00
